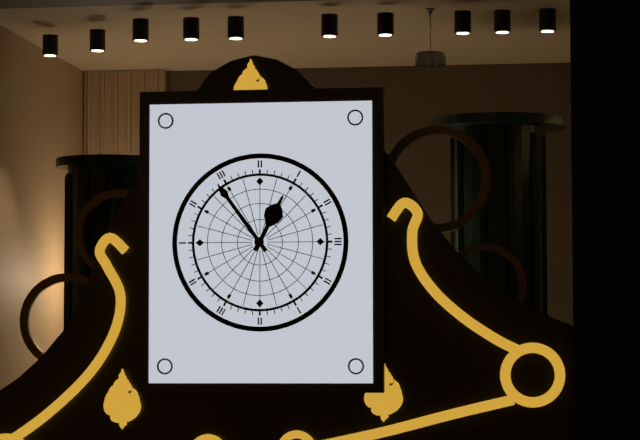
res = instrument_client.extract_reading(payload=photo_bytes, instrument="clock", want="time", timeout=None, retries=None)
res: 12:54
